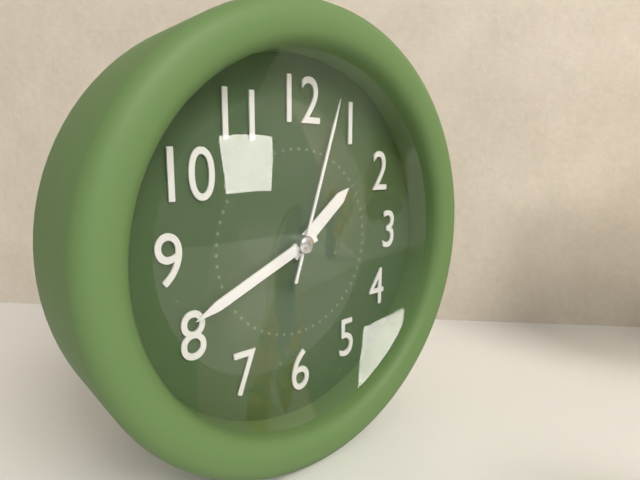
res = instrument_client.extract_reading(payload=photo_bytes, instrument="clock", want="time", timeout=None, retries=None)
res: 1:41:03
